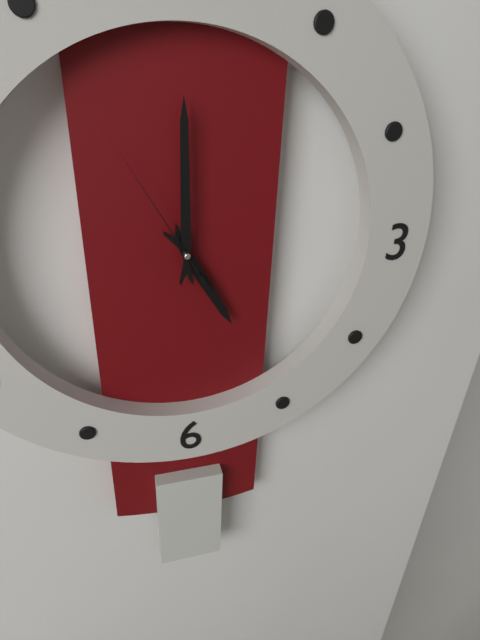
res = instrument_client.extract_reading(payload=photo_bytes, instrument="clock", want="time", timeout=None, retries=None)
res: 5:00:55
